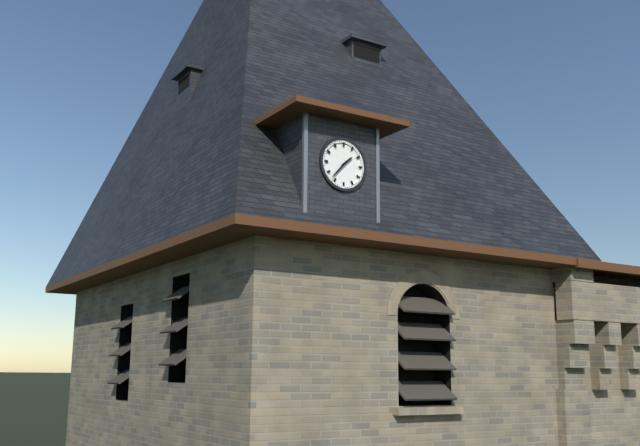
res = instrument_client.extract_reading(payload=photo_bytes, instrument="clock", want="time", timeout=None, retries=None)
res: 1:37
